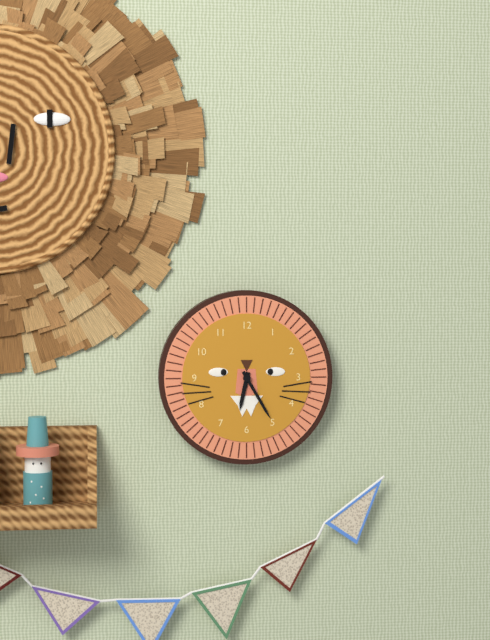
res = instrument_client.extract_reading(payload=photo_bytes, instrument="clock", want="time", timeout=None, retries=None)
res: 6:25
